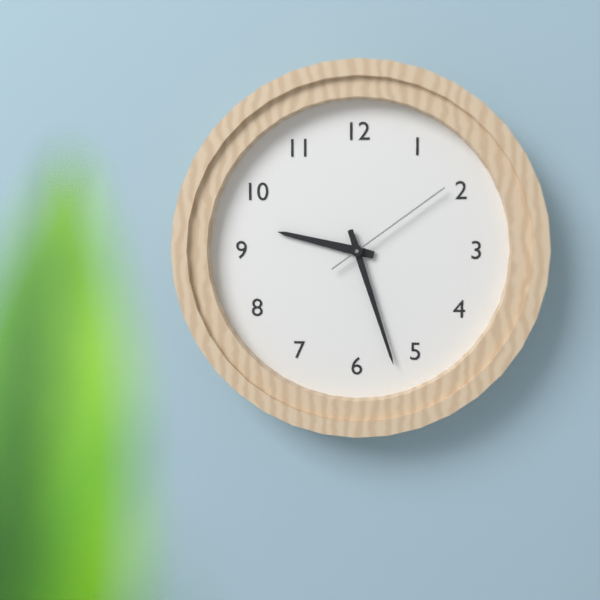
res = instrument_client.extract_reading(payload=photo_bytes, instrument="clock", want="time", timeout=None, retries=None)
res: 9:27:09
